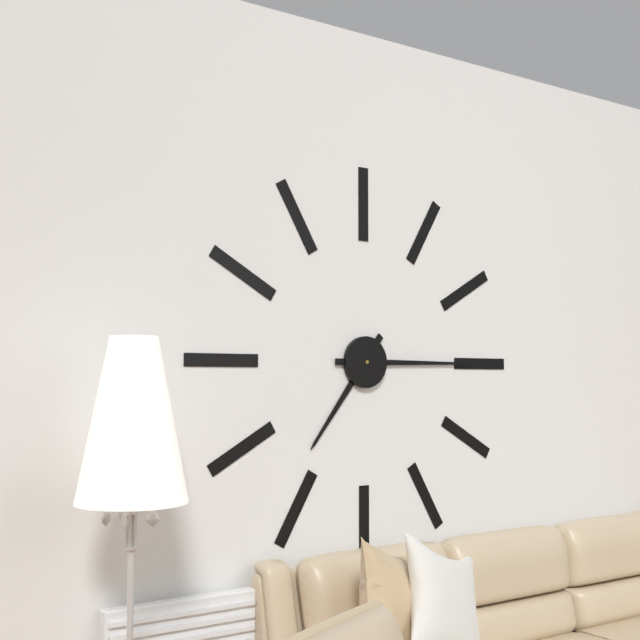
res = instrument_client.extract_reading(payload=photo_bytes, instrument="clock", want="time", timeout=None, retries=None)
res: 7:15
